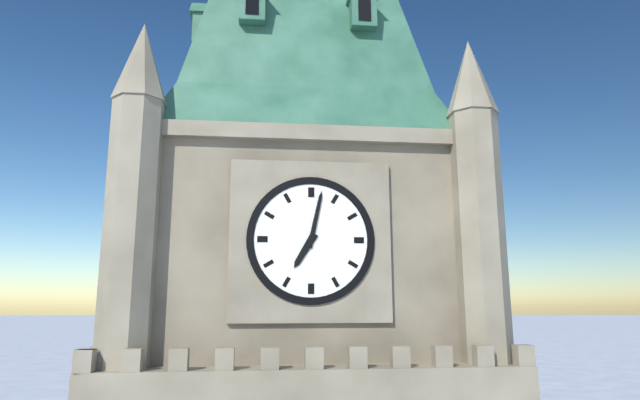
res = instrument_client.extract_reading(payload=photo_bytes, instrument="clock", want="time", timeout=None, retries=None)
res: 7:02
